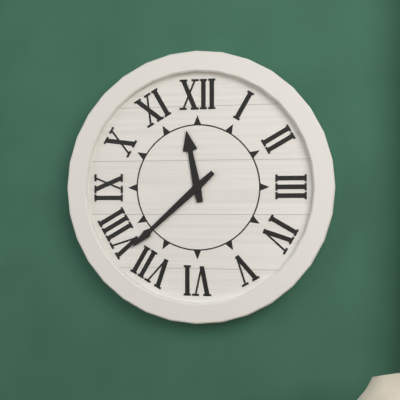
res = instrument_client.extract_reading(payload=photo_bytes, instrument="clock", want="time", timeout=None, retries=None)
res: 11:38
